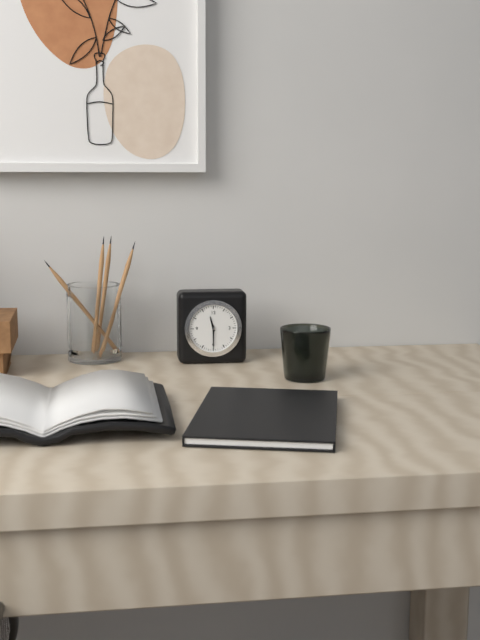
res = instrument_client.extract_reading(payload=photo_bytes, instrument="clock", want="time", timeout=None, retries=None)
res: 11:30
